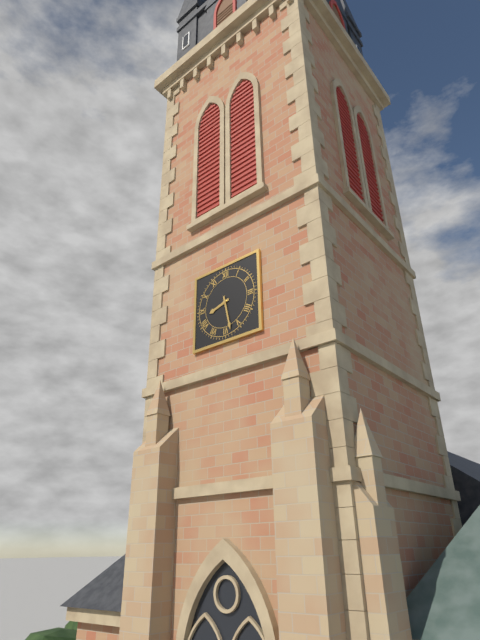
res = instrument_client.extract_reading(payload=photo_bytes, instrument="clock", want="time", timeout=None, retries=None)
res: 8:28
